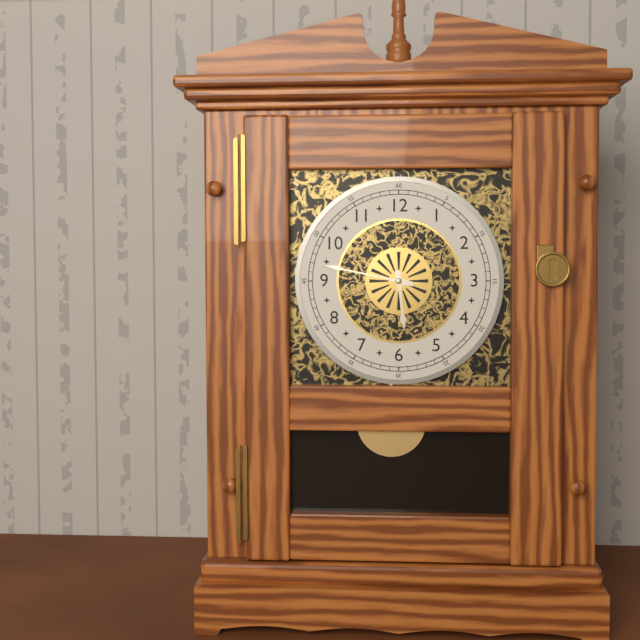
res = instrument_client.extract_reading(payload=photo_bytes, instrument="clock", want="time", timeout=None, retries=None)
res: 5:47
